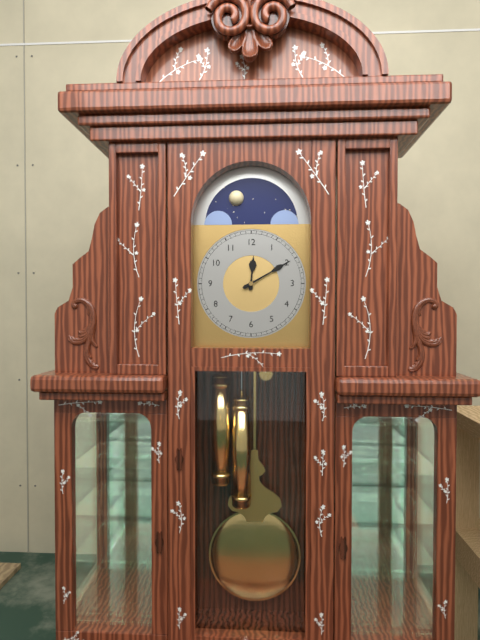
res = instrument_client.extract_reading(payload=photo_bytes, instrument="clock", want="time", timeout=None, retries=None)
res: 12:10
